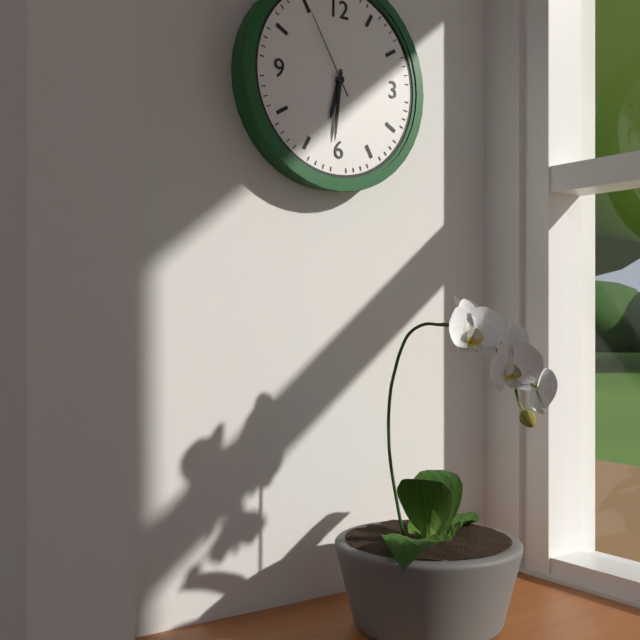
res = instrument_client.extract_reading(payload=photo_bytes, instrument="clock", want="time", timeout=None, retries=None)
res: 6:31:55
